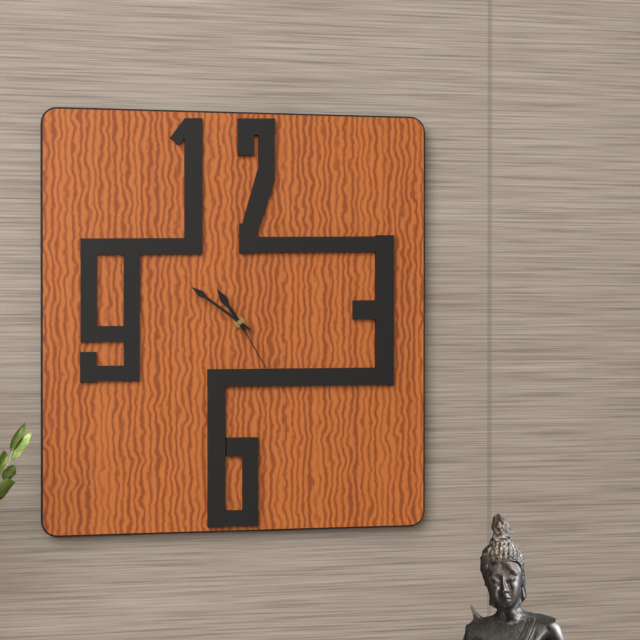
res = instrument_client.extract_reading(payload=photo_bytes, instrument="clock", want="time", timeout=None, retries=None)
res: 10:51:25
